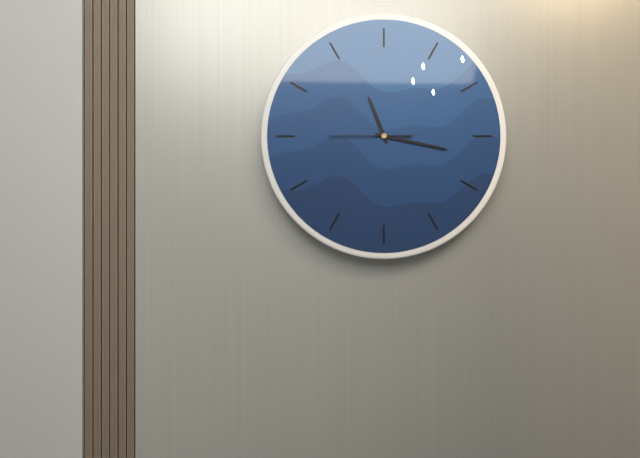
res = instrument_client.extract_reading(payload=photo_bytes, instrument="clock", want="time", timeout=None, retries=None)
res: 11:17:45
